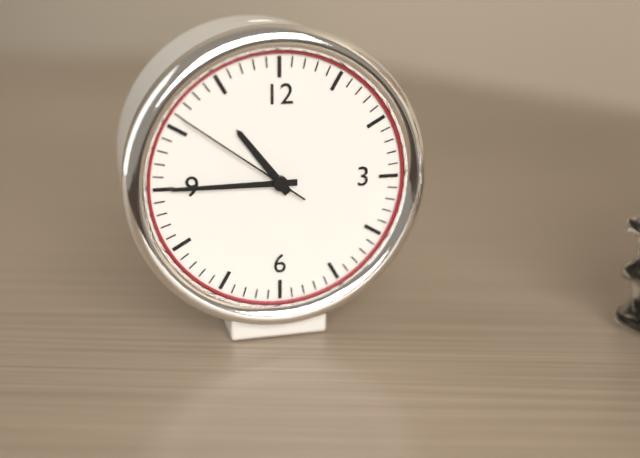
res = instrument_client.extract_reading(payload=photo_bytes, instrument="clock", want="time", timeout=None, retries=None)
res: 10:45:51
